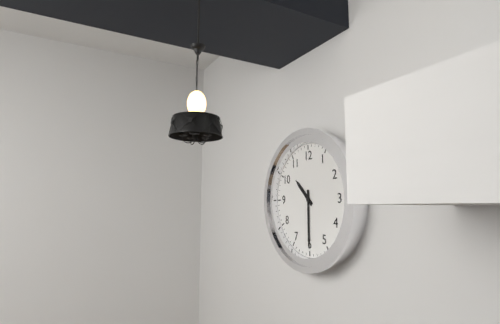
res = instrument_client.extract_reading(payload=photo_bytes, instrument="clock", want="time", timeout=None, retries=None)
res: 10:30
